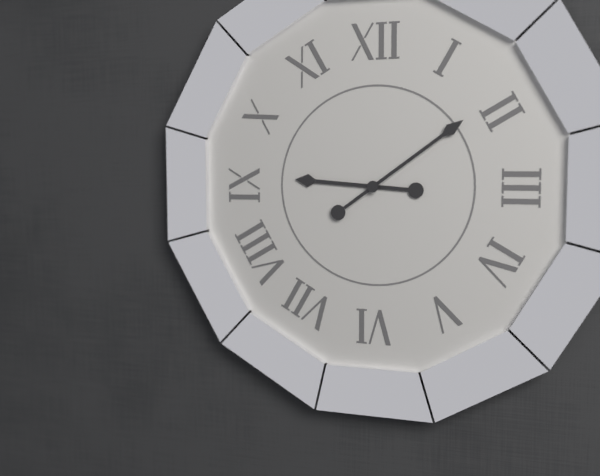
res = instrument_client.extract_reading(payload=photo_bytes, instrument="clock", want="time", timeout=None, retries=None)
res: 9:09
